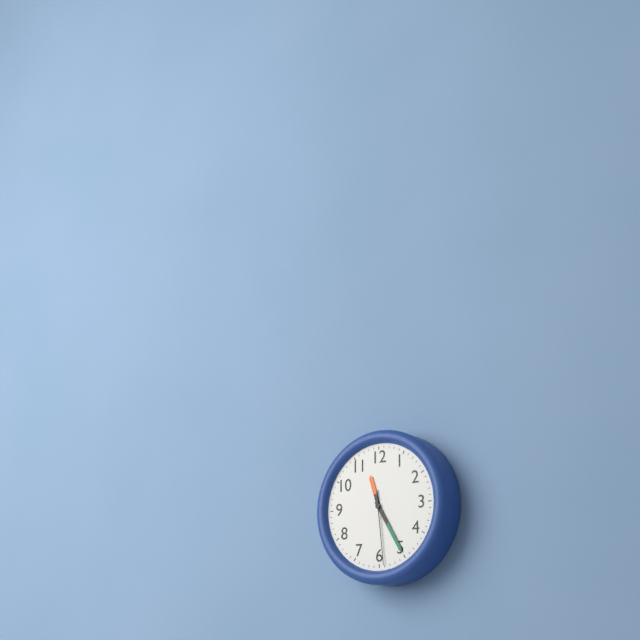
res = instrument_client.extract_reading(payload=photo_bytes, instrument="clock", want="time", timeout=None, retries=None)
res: 11:25:29
